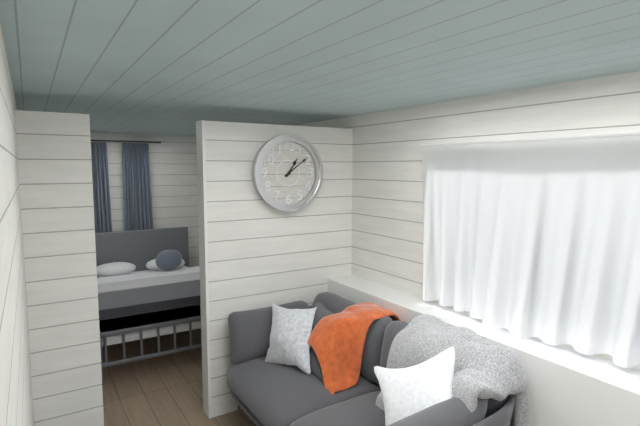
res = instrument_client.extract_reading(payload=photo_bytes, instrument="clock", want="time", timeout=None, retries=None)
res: 1:09
